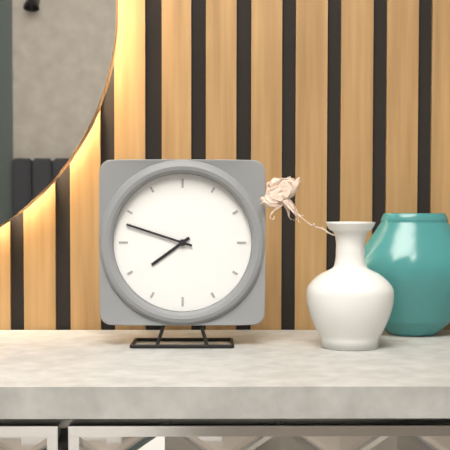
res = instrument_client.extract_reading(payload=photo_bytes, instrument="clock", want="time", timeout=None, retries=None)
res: 7:48
